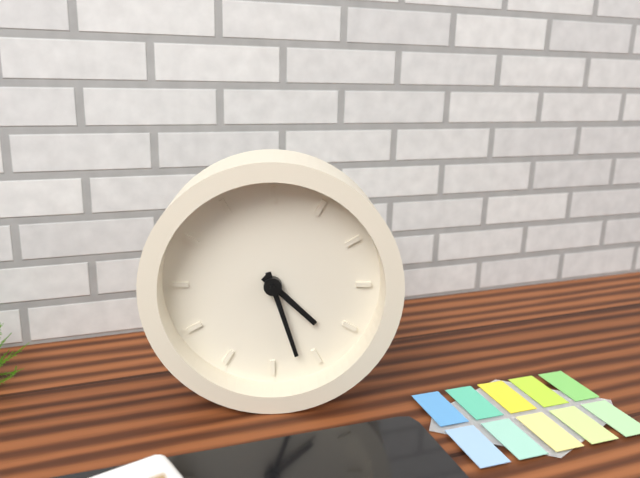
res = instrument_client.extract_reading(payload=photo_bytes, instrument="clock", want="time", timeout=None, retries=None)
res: 4:27
